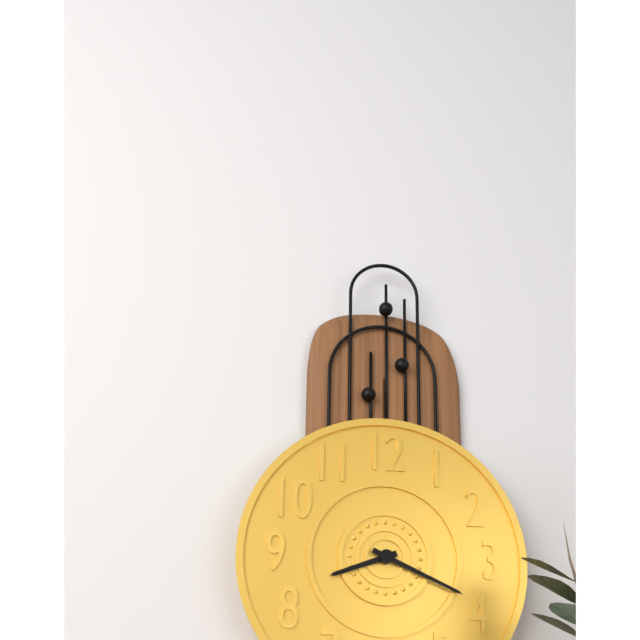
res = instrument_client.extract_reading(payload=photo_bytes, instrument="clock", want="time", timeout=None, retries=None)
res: 8:19
